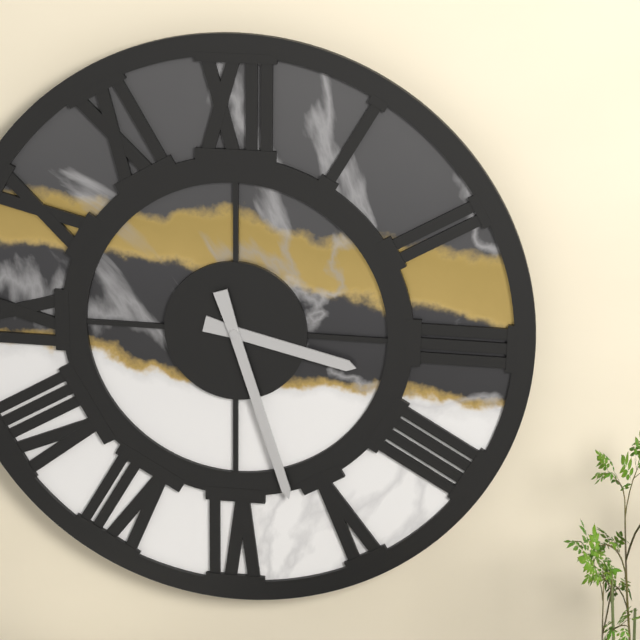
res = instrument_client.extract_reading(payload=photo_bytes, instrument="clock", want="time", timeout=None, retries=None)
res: 3:27
